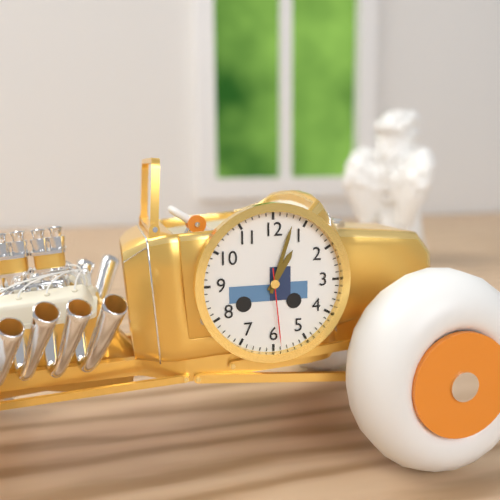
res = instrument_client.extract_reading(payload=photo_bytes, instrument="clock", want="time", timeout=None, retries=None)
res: 1:03:29
